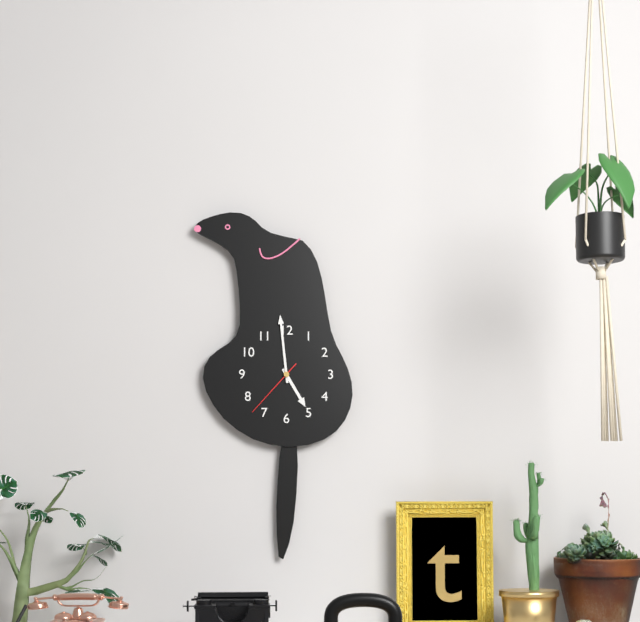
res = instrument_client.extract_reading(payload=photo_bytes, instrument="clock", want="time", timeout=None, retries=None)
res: 4:59:37
